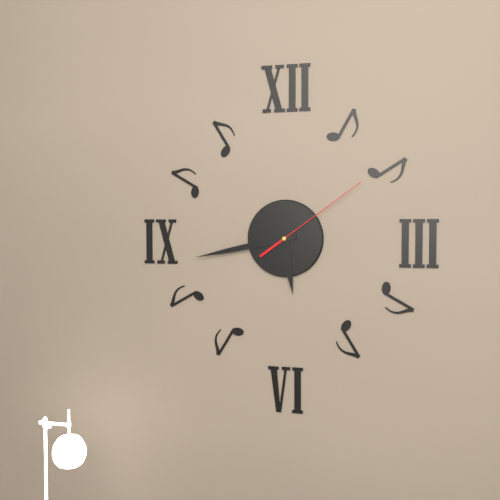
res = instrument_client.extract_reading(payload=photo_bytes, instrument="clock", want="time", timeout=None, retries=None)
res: 5:43:09
